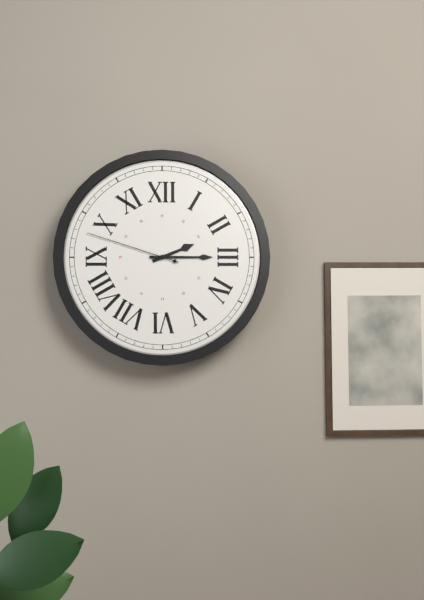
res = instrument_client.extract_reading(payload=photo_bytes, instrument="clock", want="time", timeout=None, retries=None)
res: 2:15:48
